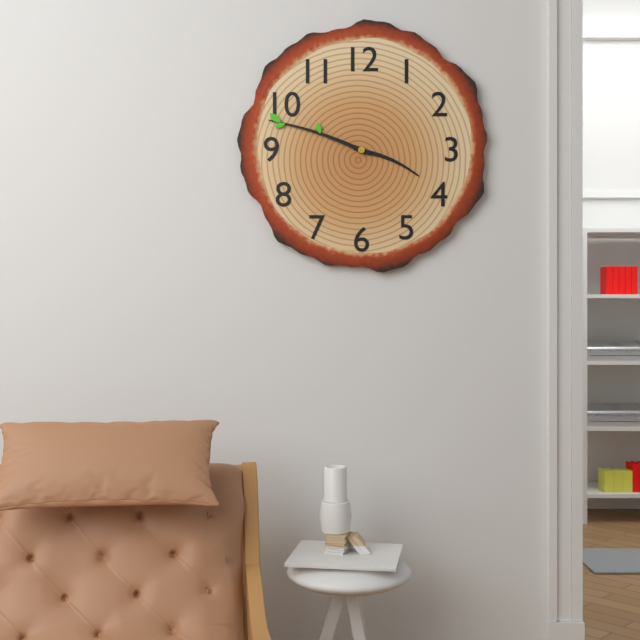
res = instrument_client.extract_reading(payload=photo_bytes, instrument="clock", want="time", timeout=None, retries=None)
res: 3:48
